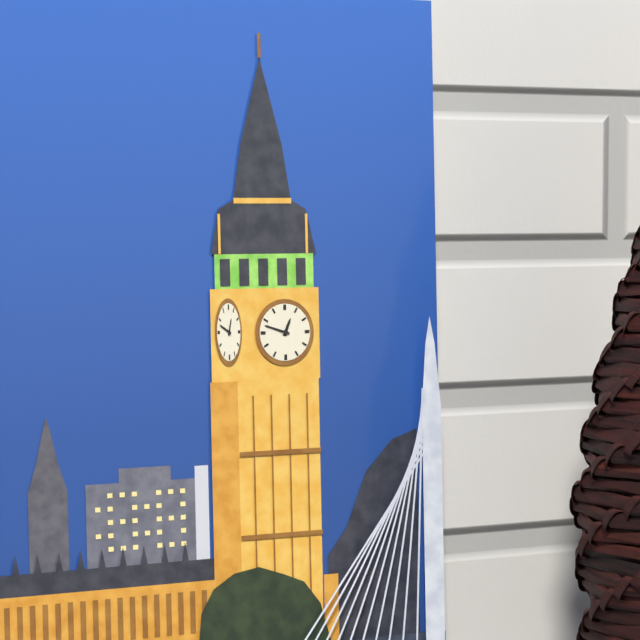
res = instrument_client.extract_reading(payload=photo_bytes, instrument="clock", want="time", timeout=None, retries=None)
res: 12:48
